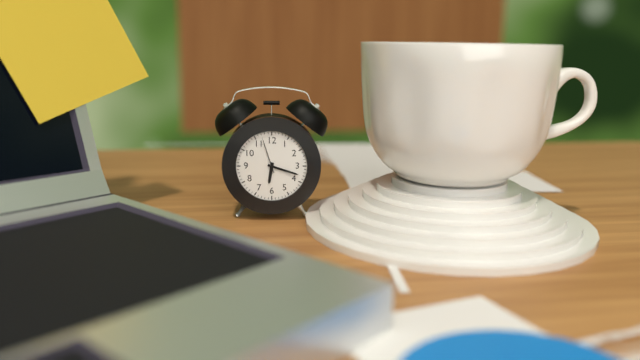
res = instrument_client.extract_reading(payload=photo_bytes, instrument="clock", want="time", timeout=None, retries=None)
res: 6:18
